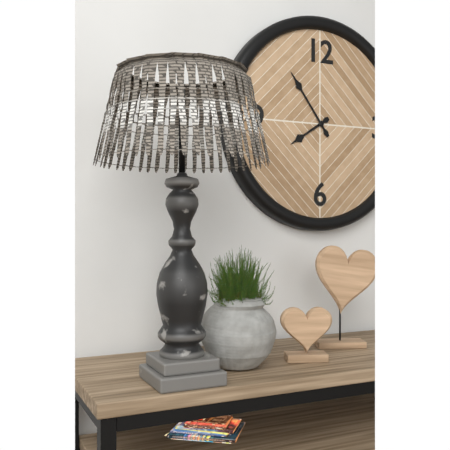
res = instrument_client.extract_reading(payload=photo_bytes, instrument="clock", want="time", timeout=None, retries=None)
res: 7:54
